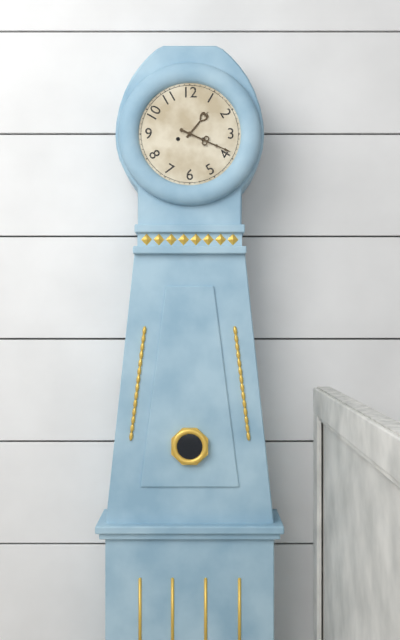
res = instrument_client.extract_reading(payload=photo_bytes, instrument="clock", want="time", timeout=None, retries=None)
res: 1:19
